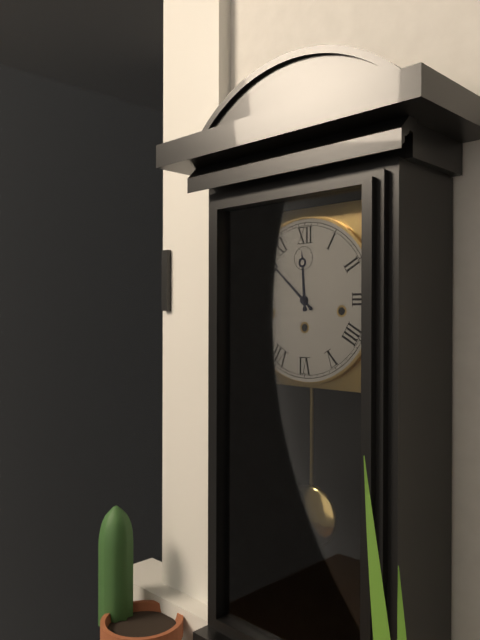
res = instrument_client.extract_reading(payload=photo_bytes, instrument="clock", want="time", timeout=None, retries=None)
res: 11:52
